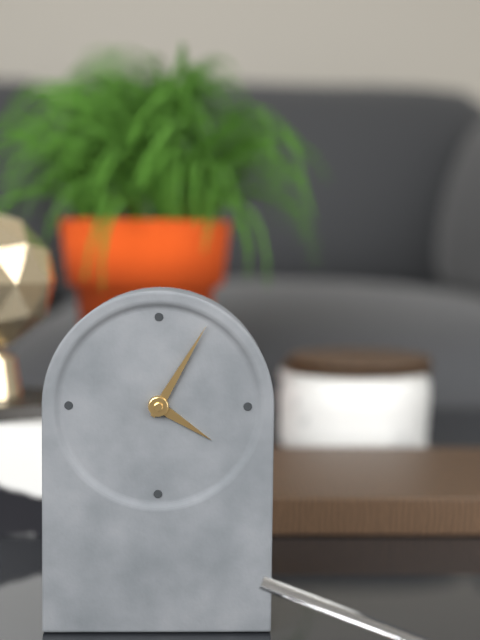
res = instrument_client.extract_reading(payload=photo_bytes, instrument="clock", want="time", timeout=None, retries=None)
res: 4:05
